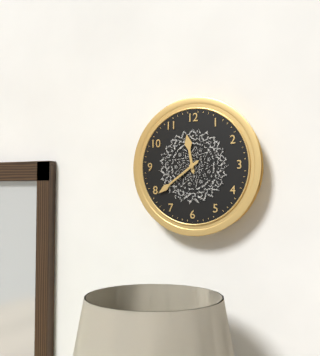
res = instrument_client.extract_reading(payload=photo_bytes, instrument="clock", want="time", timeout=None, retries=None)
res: 11:39
